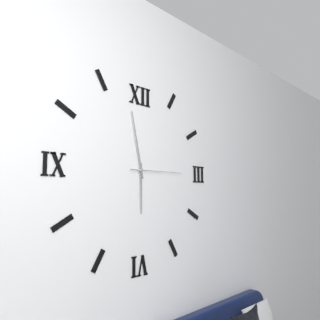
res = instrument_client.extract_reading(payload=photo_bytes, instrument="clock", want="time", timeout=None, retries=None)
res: 5:58:15
